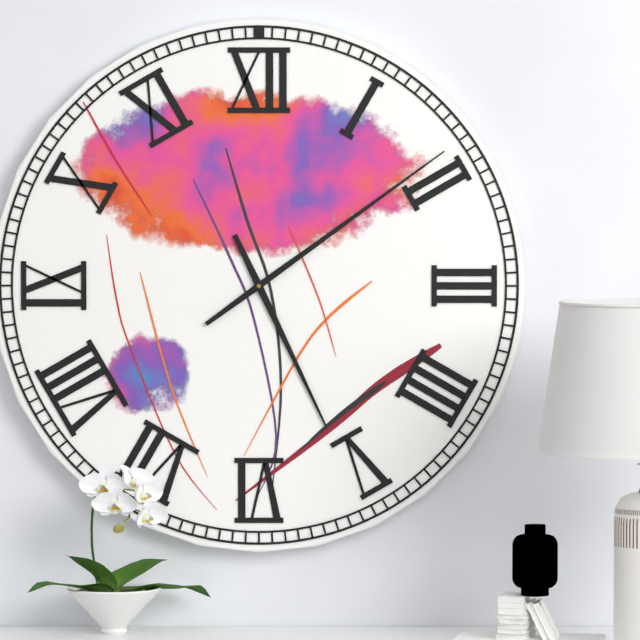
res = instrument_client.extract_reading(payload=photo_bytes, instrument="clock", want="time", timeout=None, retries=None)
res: 5:09
